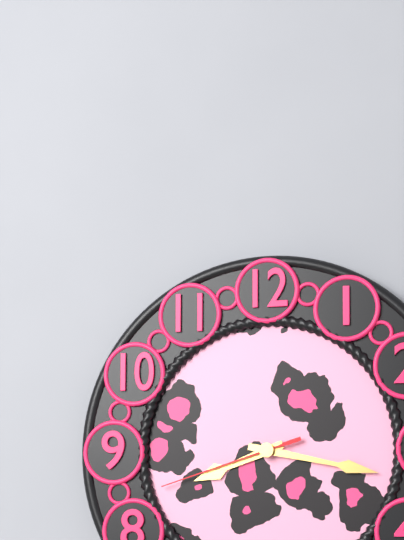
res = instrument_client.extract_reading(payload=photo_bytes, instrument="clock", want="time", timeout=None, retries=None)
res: 8:17:42
